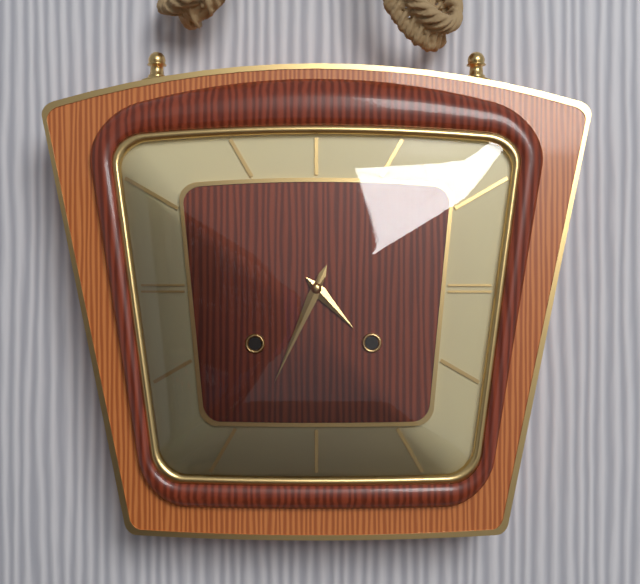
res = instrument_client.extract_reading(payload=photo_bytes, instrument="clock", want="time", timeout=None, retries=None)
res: 4:34
